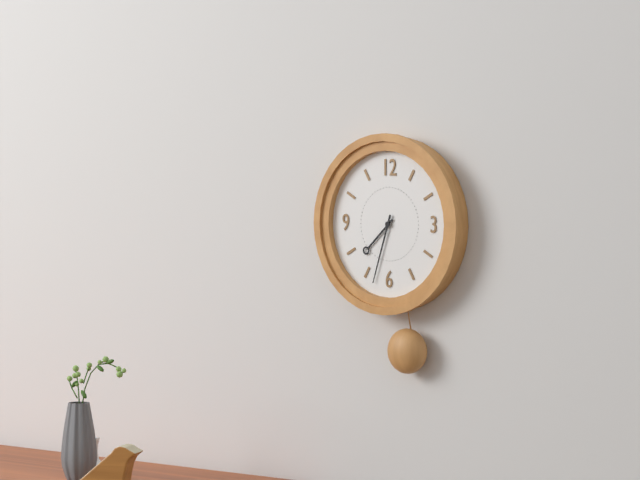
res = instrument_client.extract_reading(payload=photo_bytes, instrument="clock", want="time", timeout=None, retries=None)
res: 7:33
